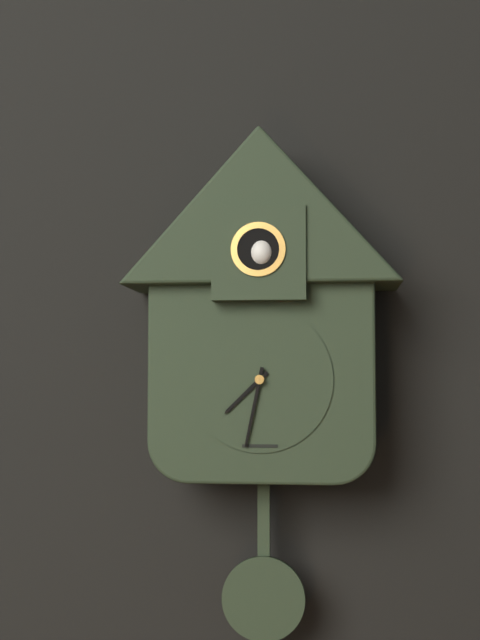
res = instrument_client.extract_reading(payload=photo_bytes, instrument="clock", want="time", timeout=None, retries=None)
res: 7:32
